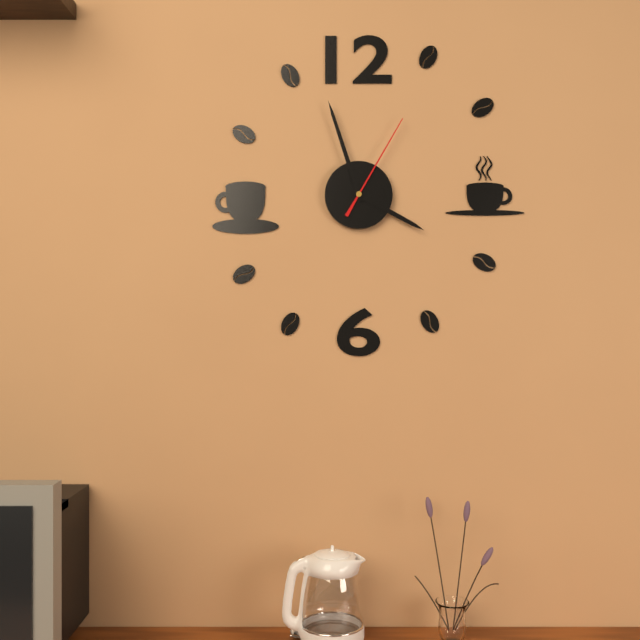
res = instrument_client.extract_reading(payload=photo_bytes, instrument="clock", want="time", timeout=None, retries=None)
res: 3:57:05
